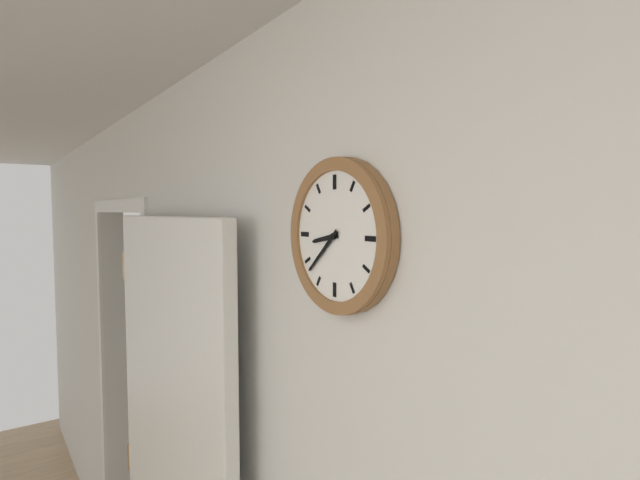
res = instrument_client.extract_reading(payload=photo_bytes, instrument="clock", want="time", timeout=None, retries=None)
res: 8:38
